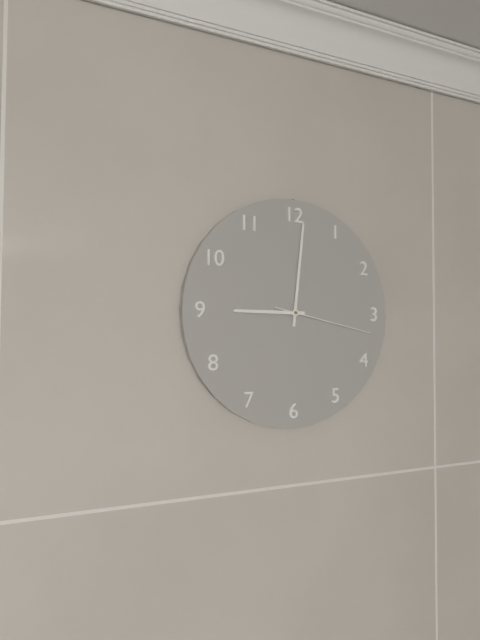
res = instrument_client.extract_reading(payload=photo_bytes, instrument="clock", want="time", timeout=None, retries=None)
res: 9:01:17
